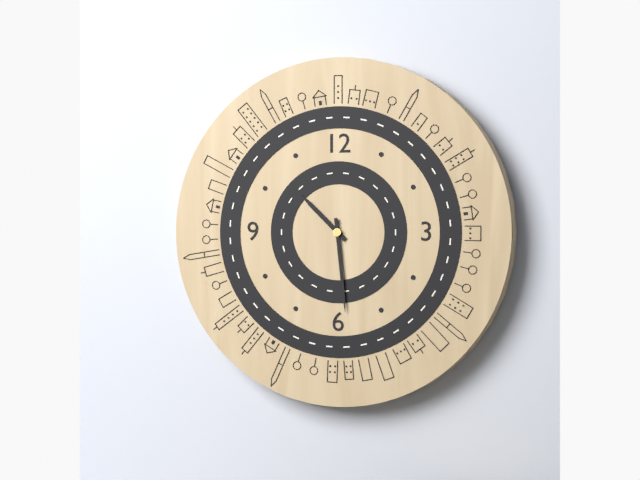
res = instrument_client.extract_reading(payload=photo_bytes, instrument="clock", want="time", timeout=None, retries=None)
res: 10:29
